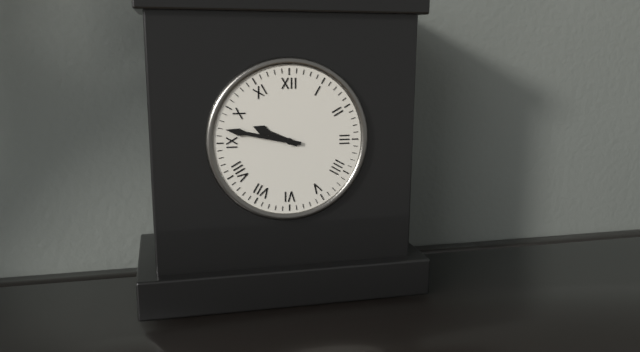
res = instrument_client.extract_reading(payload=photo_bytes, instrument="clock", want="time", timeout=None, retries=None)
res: 9:47
